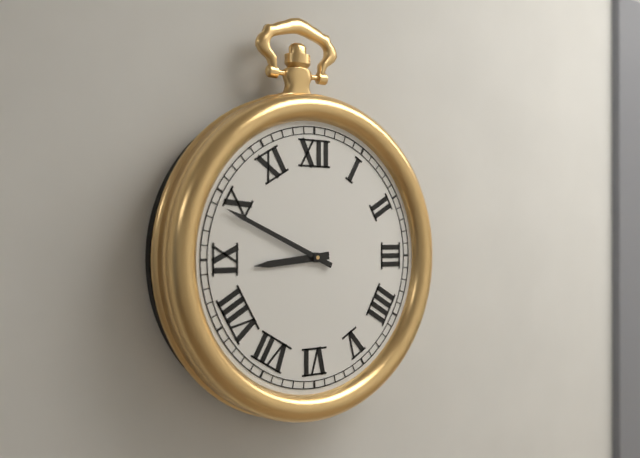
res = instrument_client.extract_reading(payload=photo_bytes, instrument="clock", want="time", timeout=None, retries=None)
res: 8:49
